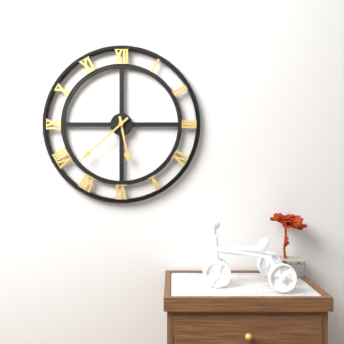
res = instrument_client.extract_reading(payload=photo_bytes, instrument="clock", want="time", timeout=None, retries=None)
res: 5:38
